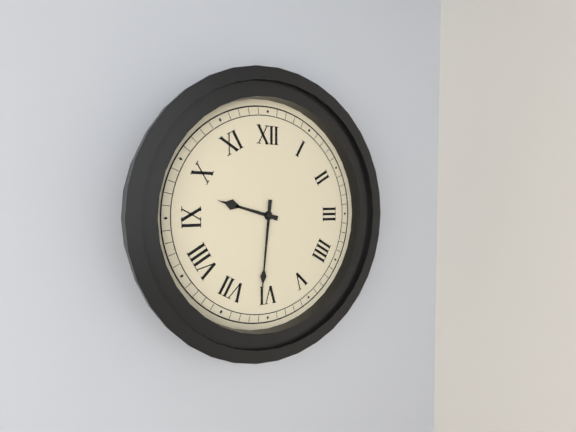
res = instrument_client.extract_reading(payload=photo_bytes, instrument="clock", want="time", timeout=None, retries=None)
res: 9:31
